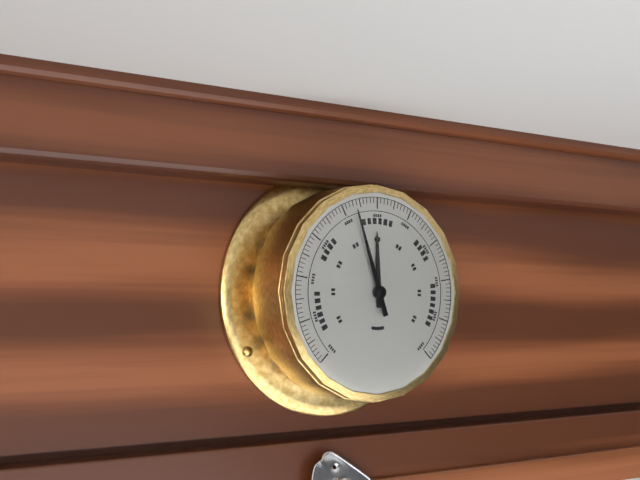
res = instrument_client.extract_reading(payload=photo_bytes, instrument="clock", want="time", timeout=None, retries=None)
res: 11:57
